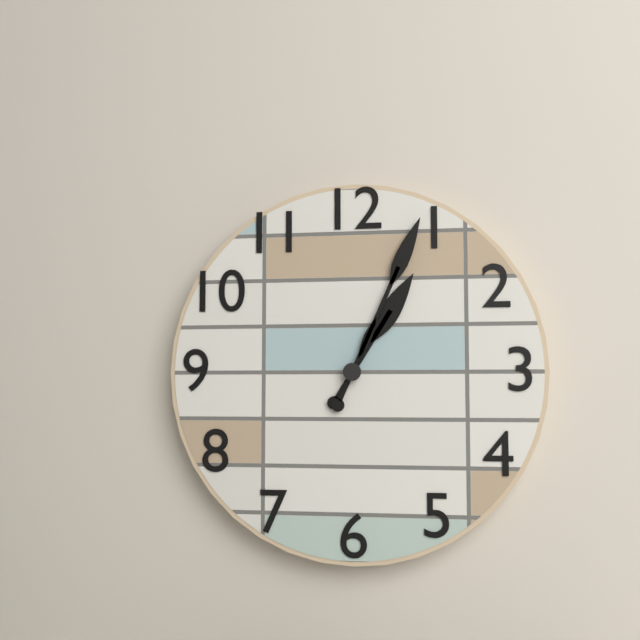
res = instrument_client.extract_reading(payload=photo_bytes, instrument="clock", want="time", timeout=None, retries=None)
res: 1:04
